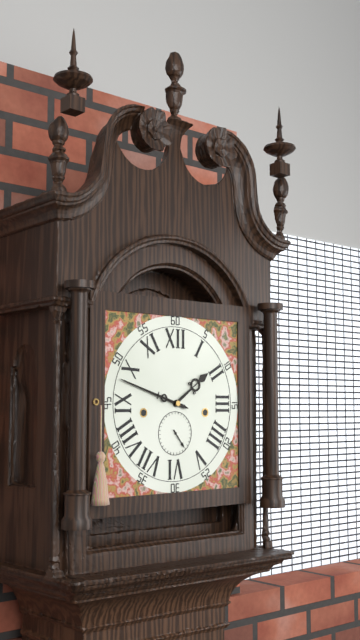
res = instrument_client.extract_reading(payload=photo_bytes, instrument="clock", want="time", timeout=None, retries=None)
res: 1:48
